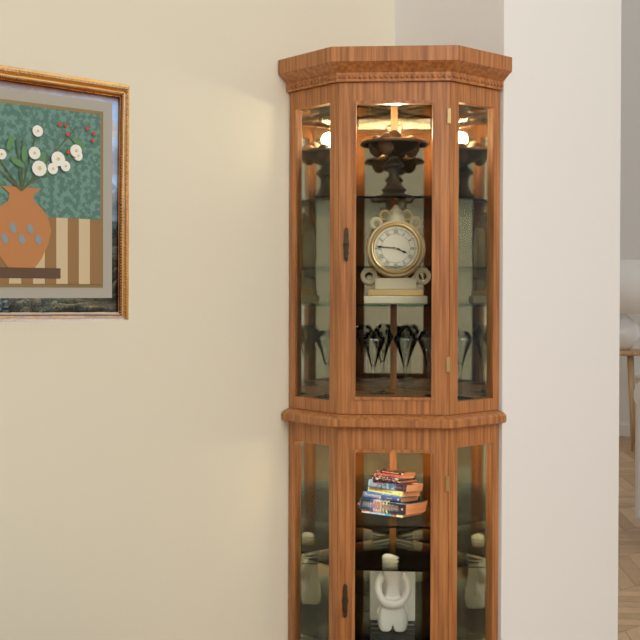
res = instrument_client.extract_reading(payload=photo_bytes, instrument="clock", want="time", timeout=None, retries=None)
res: 3:46
